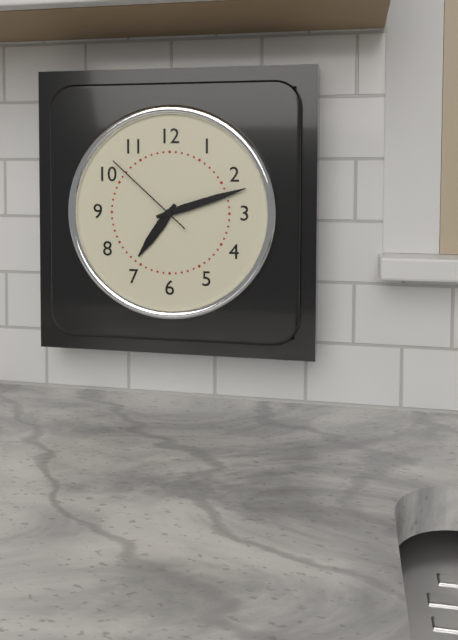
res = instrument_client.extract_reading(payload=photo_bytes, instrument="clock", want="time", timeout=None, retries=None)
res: 7:12:52
